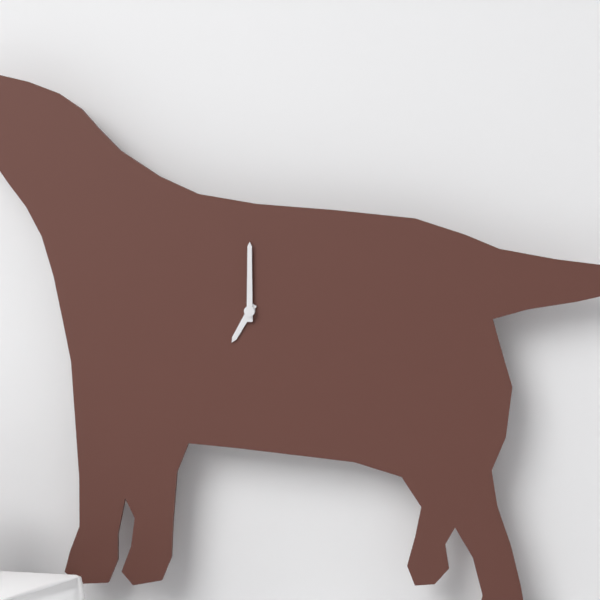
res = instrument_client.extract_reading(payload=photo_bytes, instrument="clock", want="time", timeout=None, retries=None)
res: 7:00
